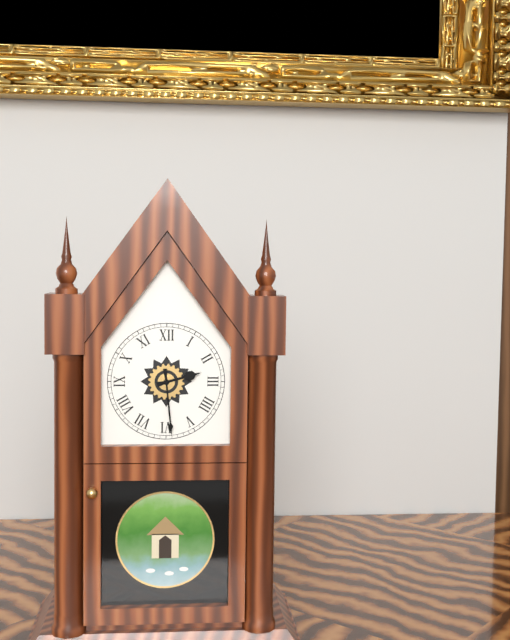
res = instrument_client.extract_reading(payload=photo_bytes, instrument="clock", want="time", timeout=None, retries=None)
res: 2:29
